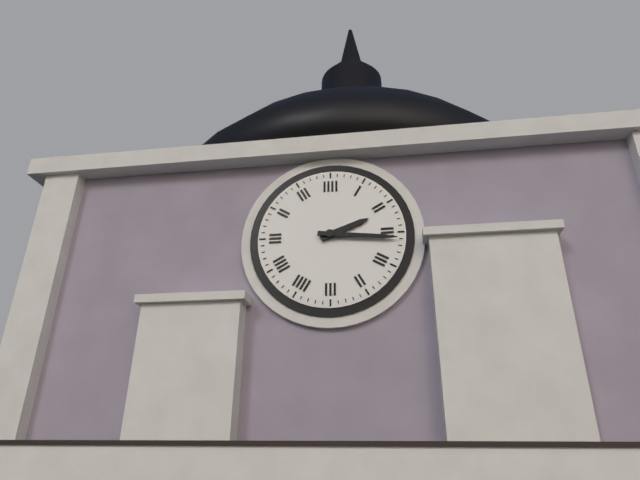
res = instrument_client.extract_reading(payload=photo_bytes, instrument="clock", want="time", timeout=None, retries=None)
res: 2:16
